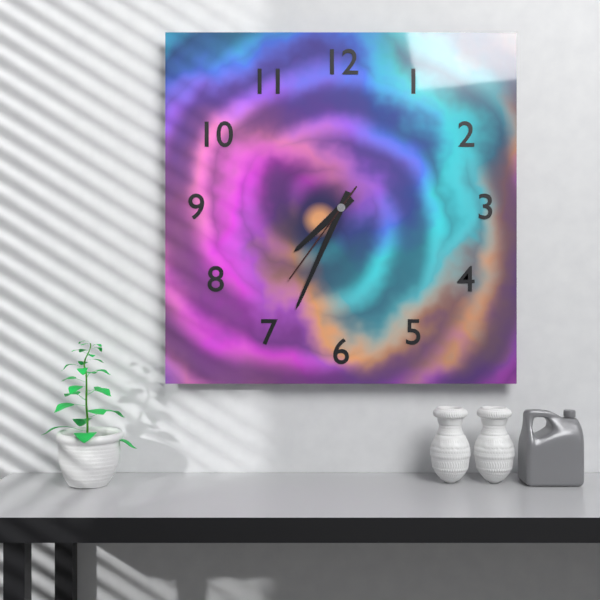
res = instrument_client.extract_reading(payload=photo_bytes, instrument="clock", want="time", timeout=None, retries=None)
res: 7:34:36
